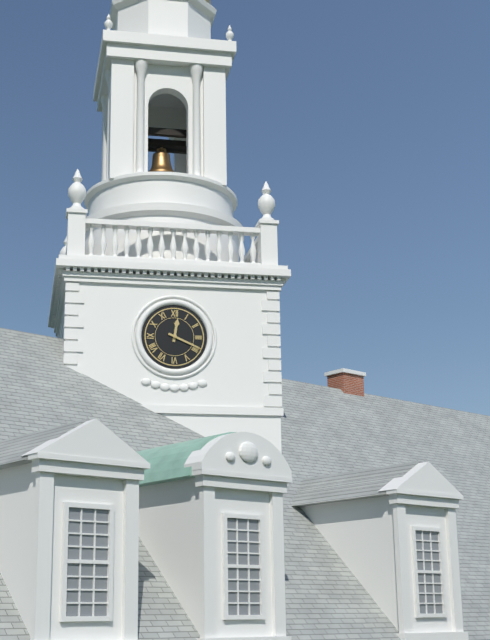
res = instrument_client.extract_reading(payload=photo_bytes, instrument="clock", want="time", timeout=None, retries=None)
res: 12:19
